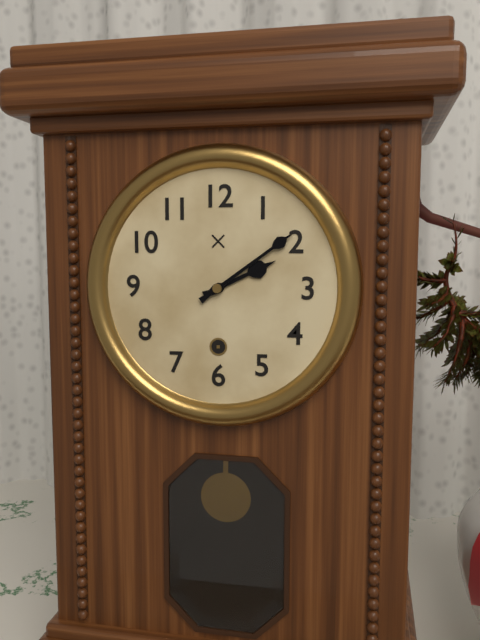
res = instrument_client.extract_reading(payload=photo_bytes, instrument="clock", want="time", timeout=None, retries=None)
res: 2:09
